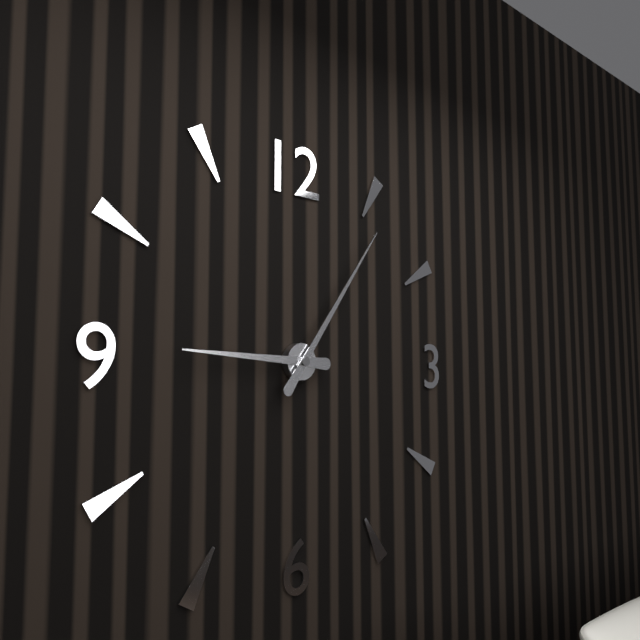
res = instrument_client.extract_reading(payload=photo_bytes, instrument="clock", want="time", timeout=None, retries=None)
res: 9:06
